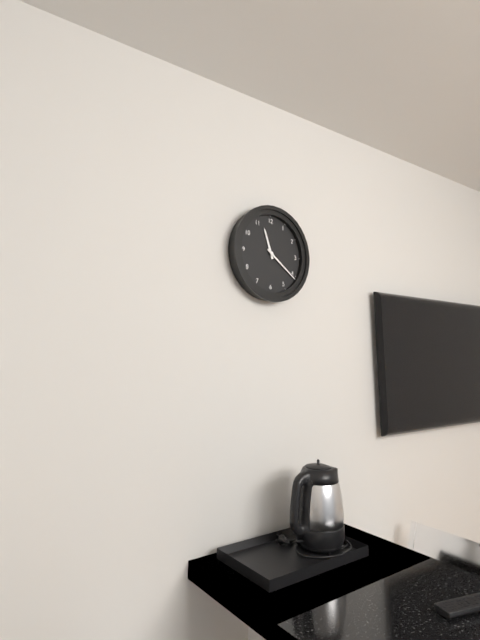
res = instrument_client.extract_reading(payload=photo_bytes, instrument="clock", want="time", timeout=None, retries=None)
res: 11:21
